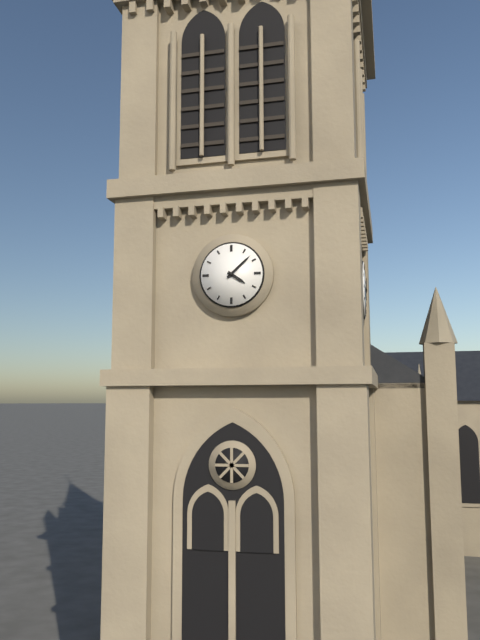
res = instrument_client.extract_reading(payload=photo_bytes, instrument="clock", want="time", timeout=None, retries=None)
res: 4:08
